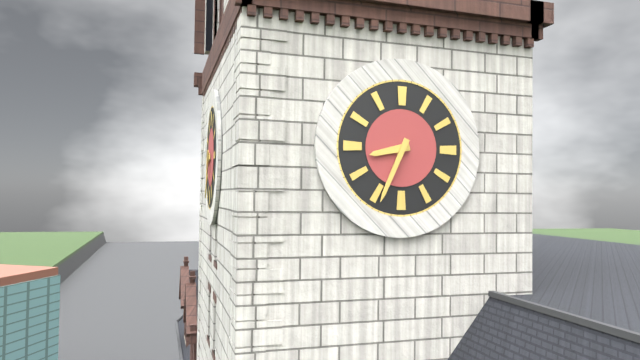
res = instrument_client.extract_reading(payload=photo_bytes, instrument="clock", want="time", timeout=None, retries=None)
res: 8:34
